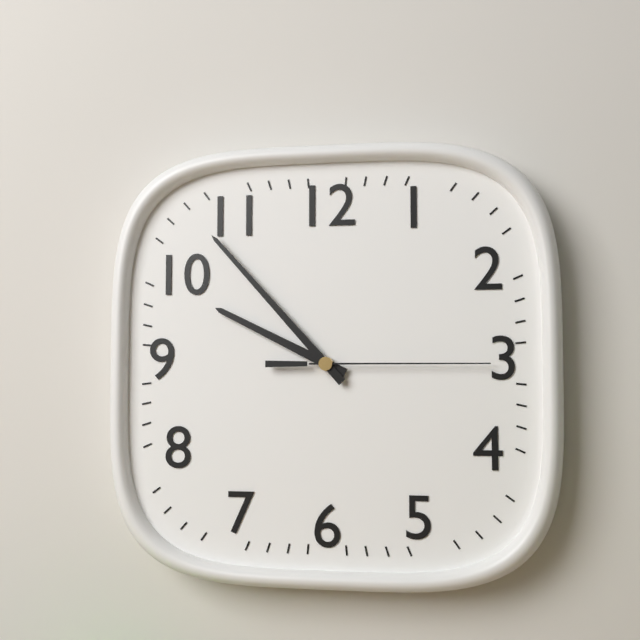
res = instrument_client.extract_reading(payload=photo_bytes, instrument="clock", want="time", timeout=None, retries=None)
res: 9:53:15
